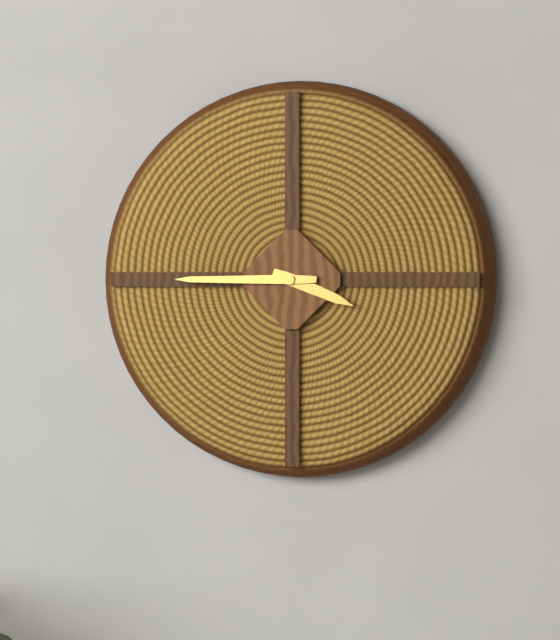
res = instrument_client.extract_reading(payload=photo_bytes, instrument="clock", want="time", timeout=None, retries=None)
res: 3:45
